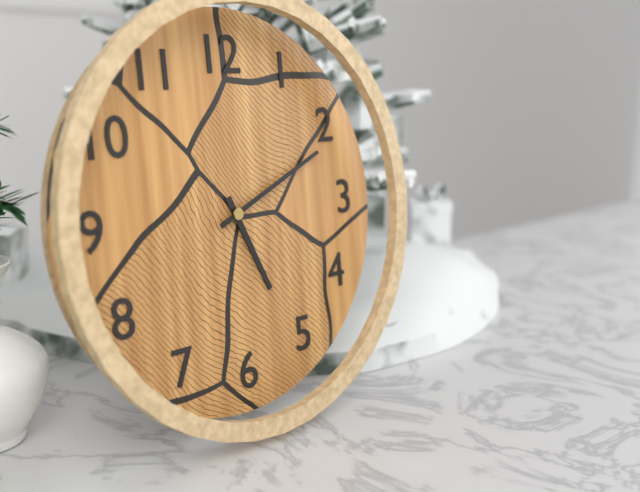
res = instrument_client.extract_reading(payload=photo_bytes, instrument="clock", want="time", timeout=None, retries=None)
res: 5:11
